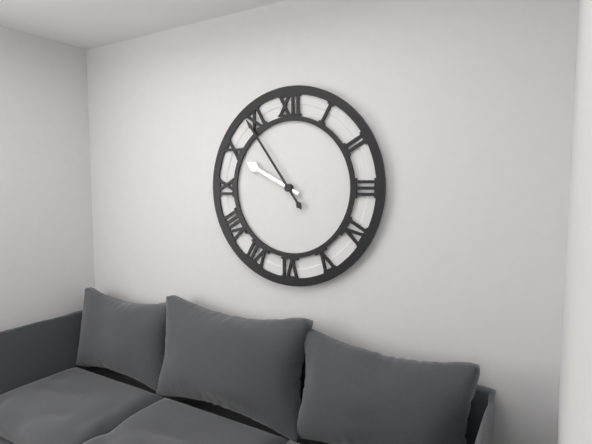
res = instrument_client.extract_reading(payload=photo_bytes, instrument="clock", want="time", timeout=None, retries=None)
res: 9:54
